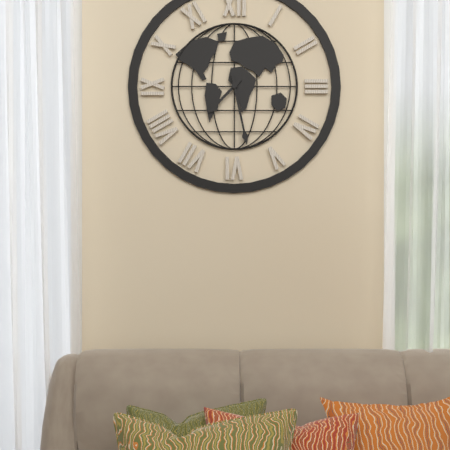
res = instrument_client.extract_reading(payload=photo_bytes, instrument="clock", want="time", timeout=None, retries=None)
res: 7:28
